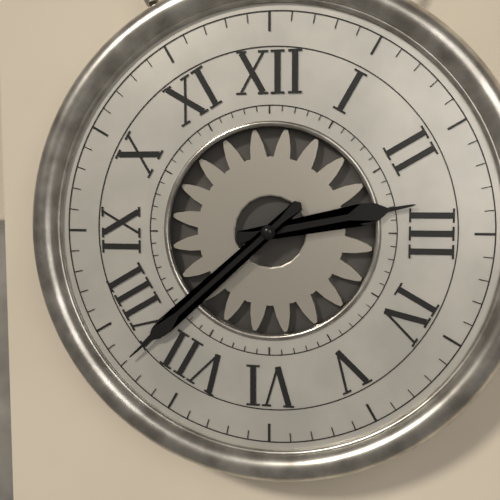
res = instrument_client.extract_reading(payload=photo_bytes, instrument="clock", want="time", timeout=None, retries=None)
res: 2:38
